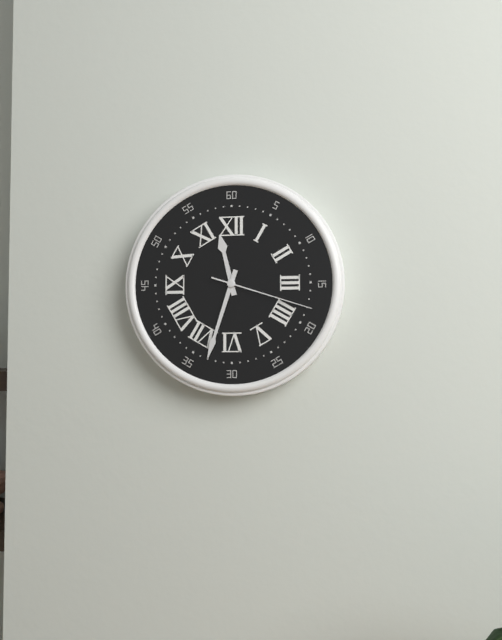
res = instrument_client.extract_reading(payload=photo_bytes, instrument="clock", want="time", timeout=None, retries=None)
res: 11:33:18
